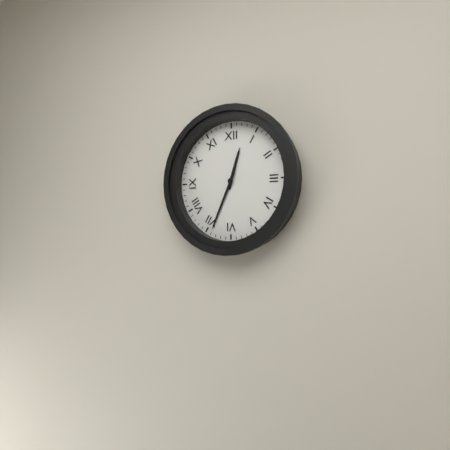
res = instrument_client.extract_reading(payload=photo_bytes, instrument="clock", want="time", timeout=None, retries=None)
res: 12:34
